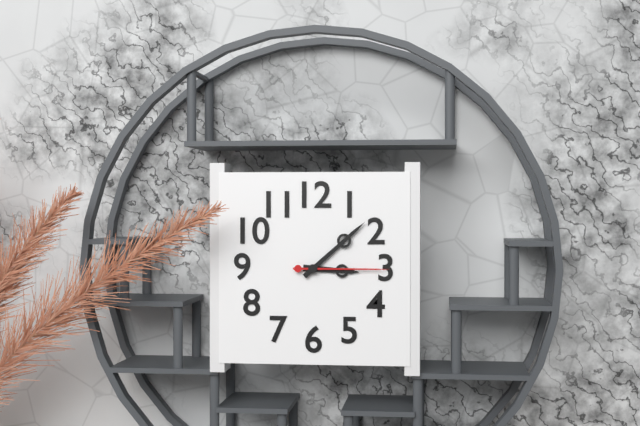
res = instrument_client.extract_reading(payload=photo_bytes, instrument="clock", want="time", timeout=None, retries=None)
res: 3:08:15
